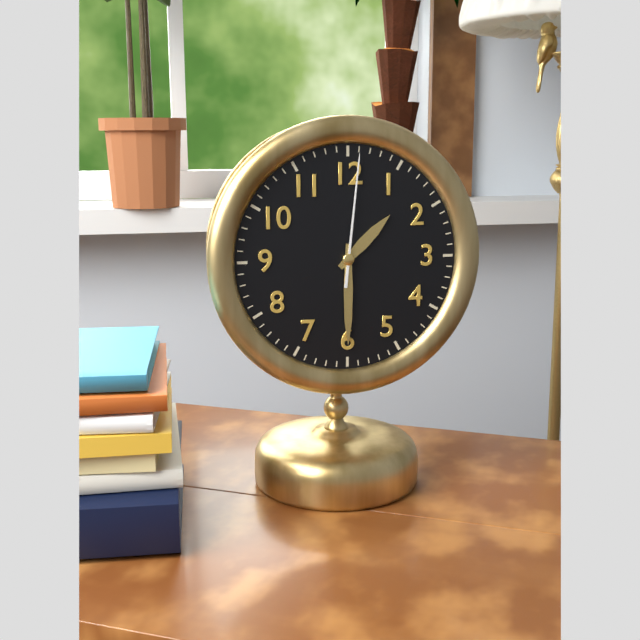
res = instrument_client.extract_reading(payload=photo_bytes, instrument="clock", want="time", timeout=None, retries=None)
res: 1:30:01
